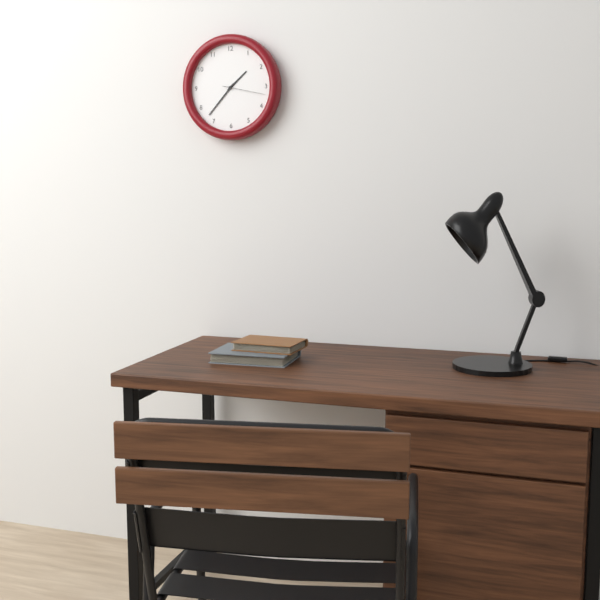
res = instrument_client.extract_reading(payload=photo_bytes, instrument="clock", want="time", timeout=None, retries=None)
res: 1:37
